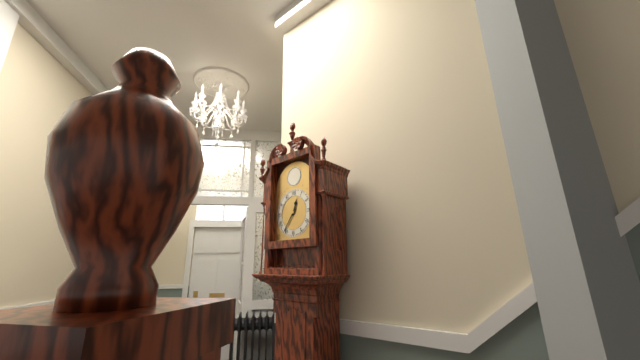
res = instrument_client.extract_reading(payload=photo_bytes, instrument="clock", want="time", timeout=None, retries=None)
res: 12:36
